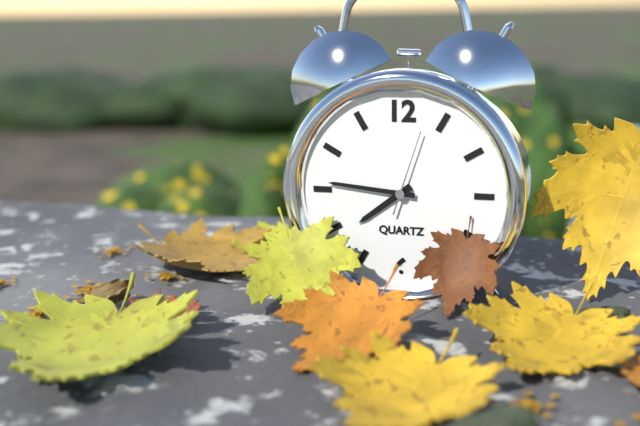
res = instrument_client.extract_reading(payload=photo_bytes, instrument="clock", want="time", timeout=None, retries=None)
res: 7:46:03
